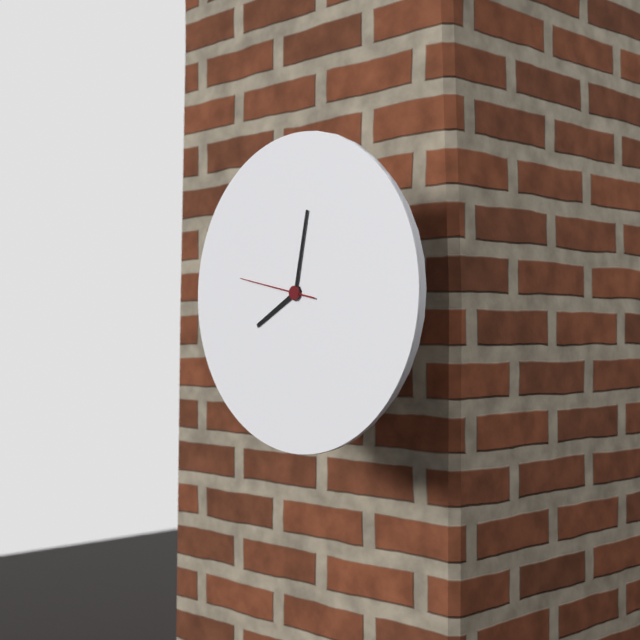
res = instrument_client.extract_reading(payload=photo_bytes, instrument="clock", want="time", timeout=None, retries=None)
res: 8:02:47
